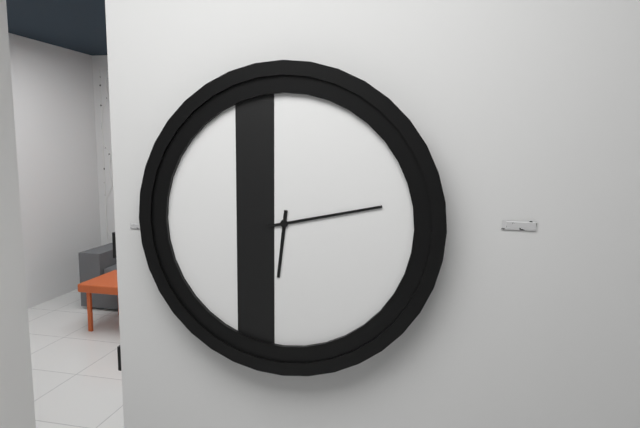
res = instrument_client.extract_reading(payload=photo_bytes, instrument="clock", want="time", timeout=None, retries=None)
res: 6:13
